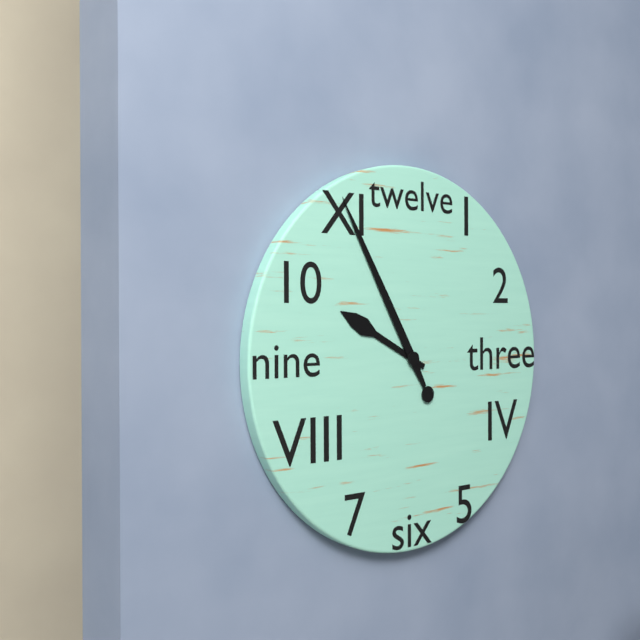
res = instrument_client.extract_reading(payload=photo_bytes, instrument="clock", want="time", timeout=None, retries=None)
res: 9:55
